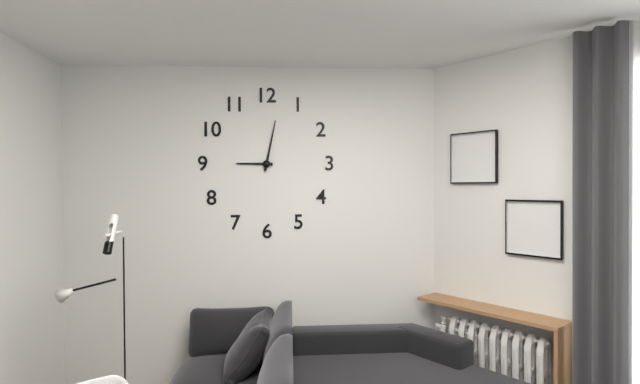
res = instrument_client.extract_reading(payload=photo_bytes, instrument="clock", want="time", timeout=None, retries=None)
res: 9:02
